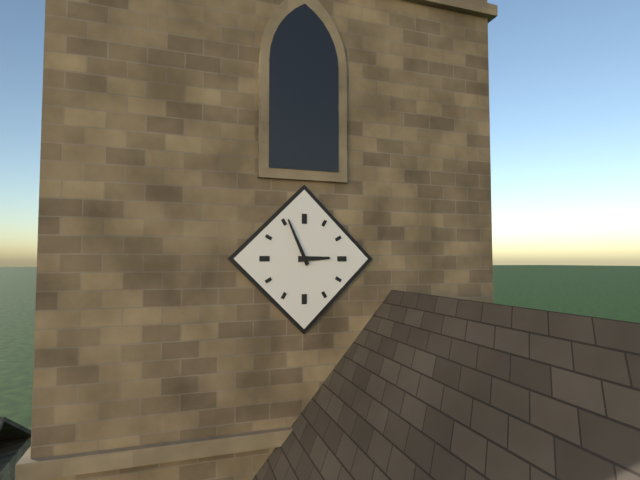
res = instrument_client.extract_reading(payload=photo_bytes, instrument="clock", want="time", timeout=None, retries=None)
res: 2:56
